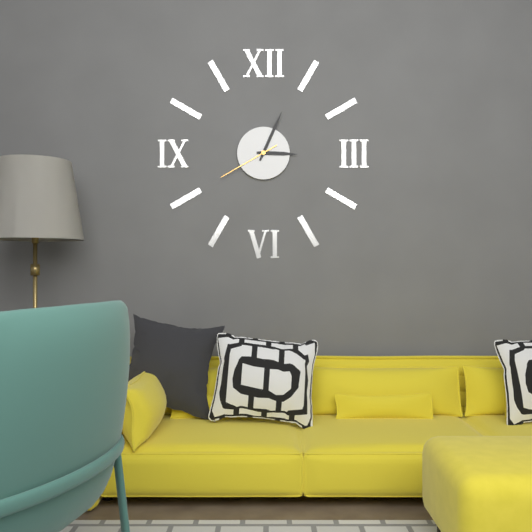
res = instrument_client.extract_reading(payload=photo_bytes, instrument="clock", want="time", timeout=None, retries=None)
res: 3:04:40
